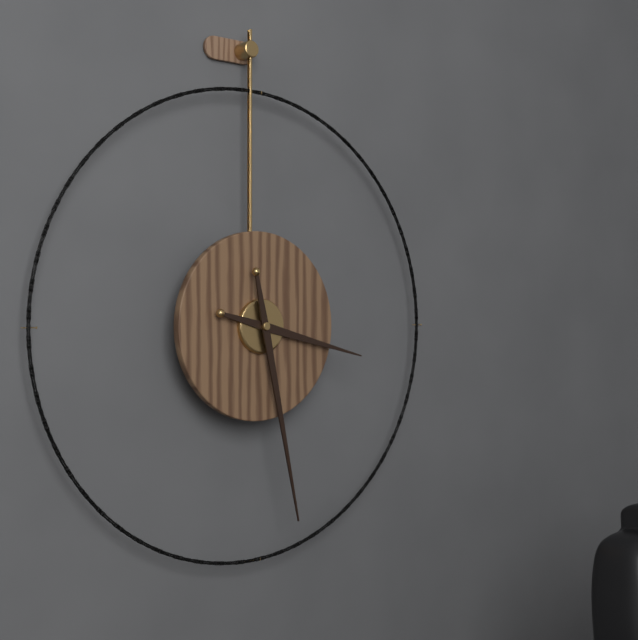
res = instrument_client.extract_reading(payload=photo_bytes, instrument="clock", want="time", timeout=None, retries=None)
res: 3:28
